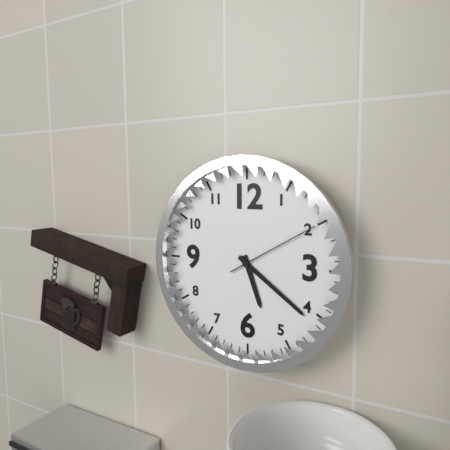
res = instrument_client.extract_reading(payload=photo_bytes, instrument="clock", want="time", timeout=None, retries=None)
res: 5:21:10
